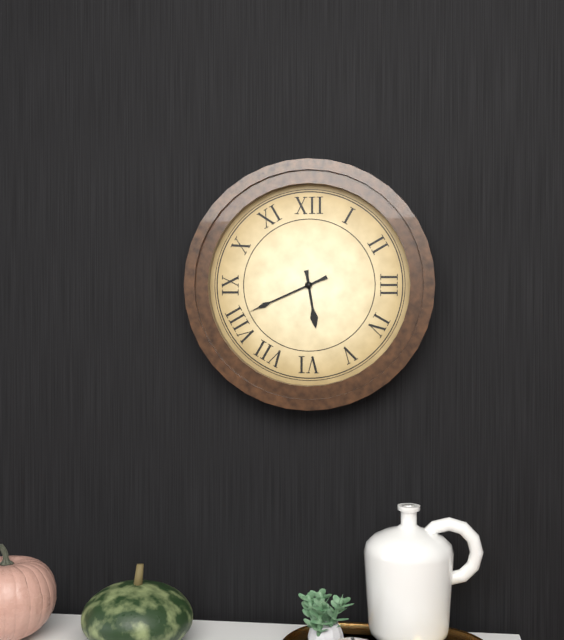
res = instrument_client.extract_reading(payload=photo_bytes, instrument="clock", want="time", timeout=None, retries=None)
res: 5:41
